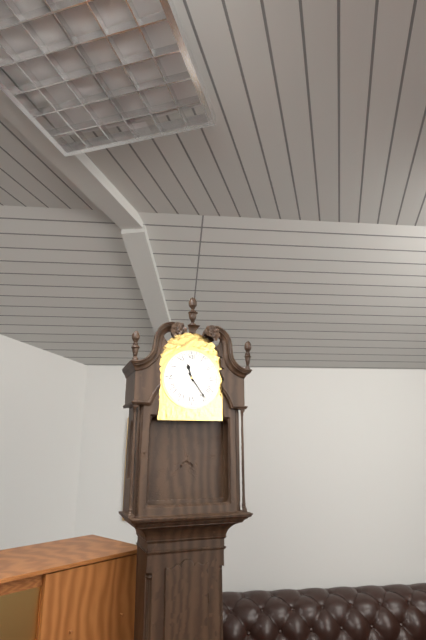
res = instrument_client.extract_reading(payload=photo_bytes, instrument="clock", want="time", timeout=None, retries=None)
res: 11:24
